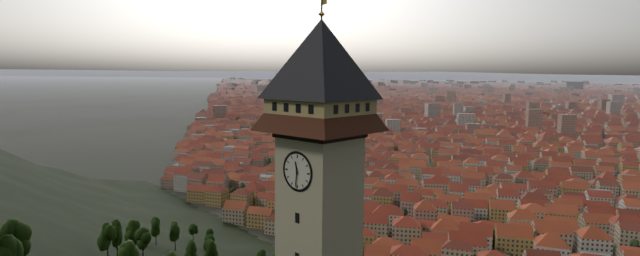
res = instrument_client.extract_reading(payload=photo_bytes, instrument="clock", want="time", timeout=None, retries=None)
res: 11:31
